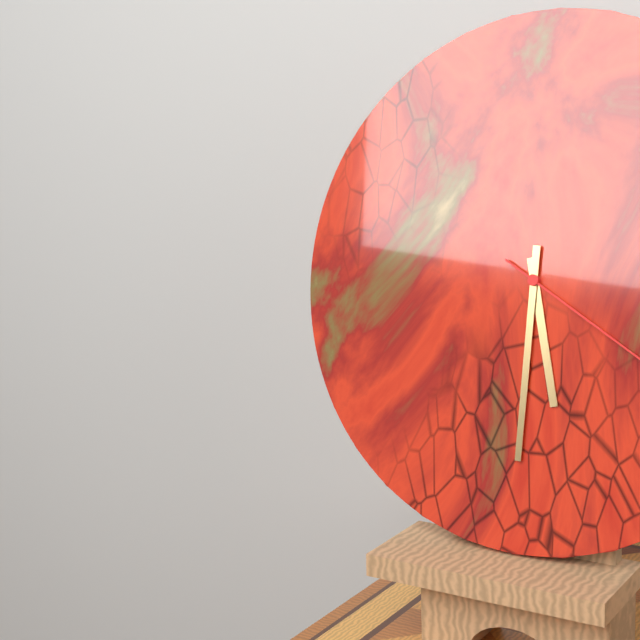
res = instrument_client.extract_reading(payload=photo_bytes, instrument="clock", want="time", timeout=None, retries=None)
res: 5:30
